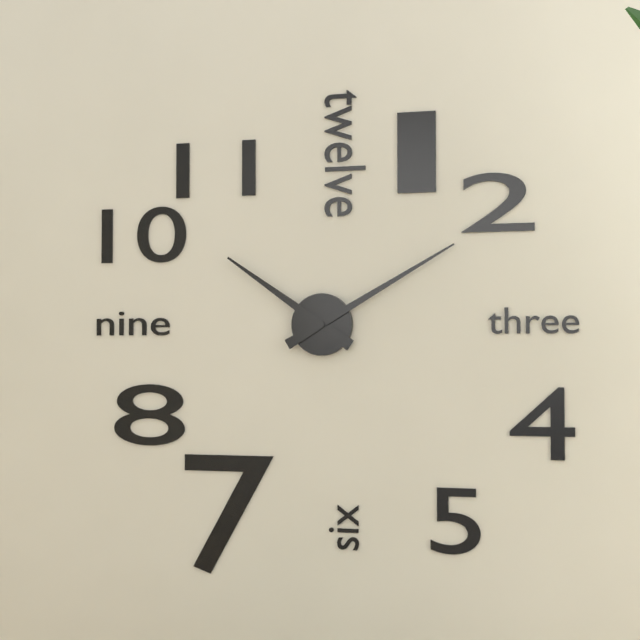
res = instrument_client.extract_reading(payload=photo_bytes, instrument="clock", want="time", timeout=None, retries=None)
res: 10:10
